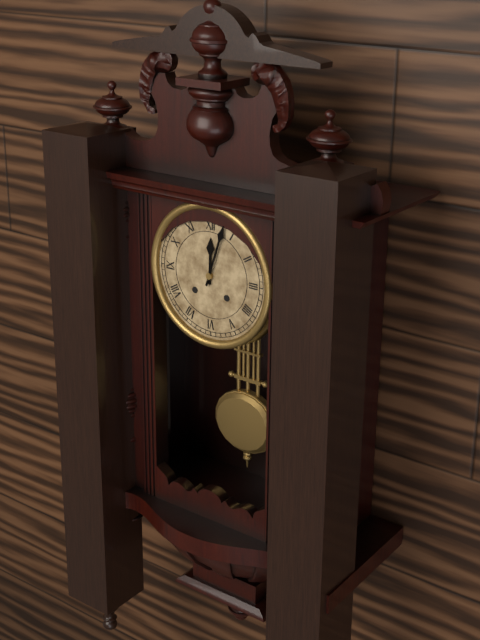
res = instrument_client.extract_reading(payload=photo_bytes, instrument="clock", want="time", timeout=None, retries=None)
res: 12:03
